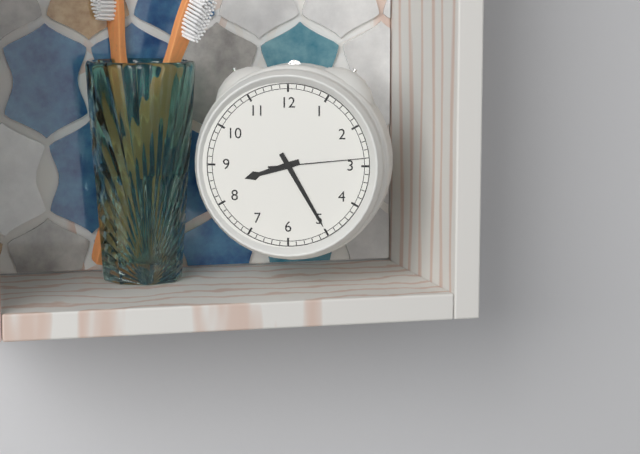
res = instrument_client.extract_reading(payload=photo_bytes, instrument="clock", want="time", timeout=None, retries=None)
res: 8:25:14
